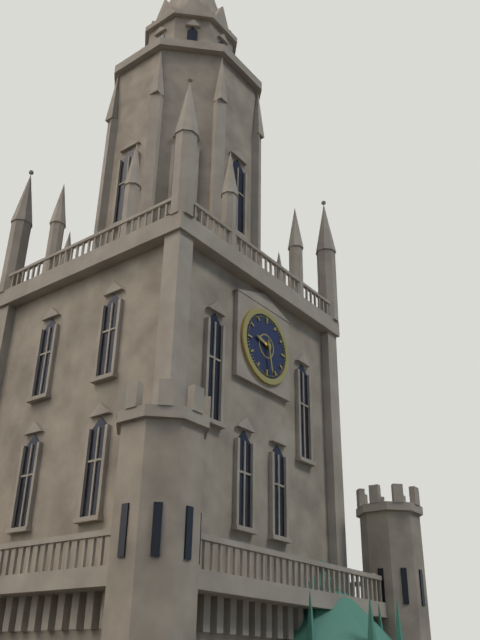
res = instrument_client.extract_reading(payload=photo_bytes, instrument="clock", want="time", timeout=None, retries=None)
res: 9:28
